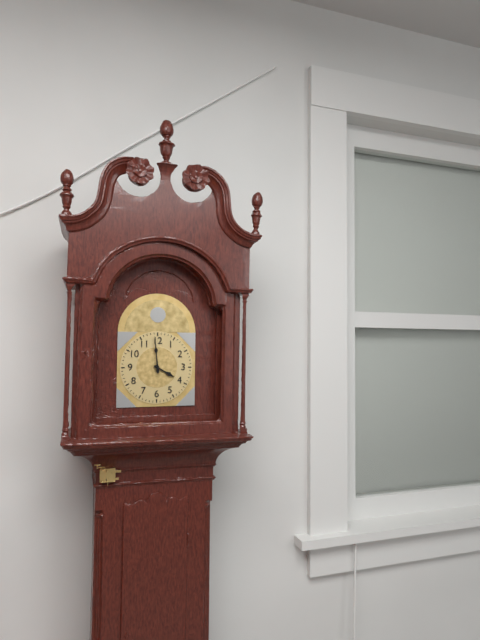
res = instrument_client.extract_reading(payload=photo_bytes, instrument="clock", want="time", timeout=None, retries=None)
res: 3:59
